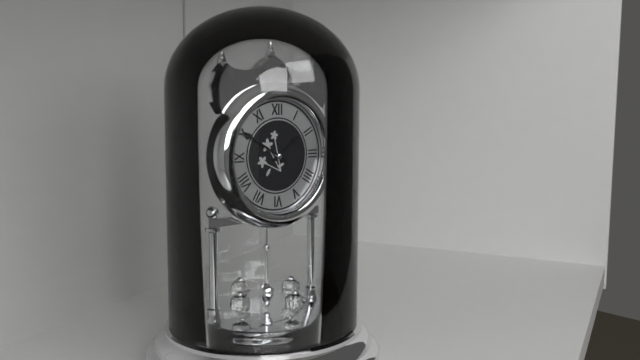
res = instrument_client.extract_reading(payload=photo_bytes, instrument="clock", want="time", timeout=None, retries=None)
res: 1:50
